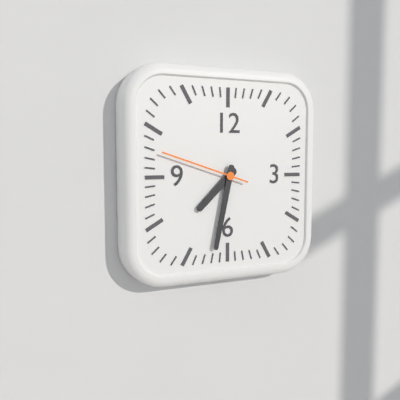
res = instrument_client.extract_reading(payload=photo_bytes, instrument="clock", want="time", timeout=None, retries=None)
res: 7:32:48
